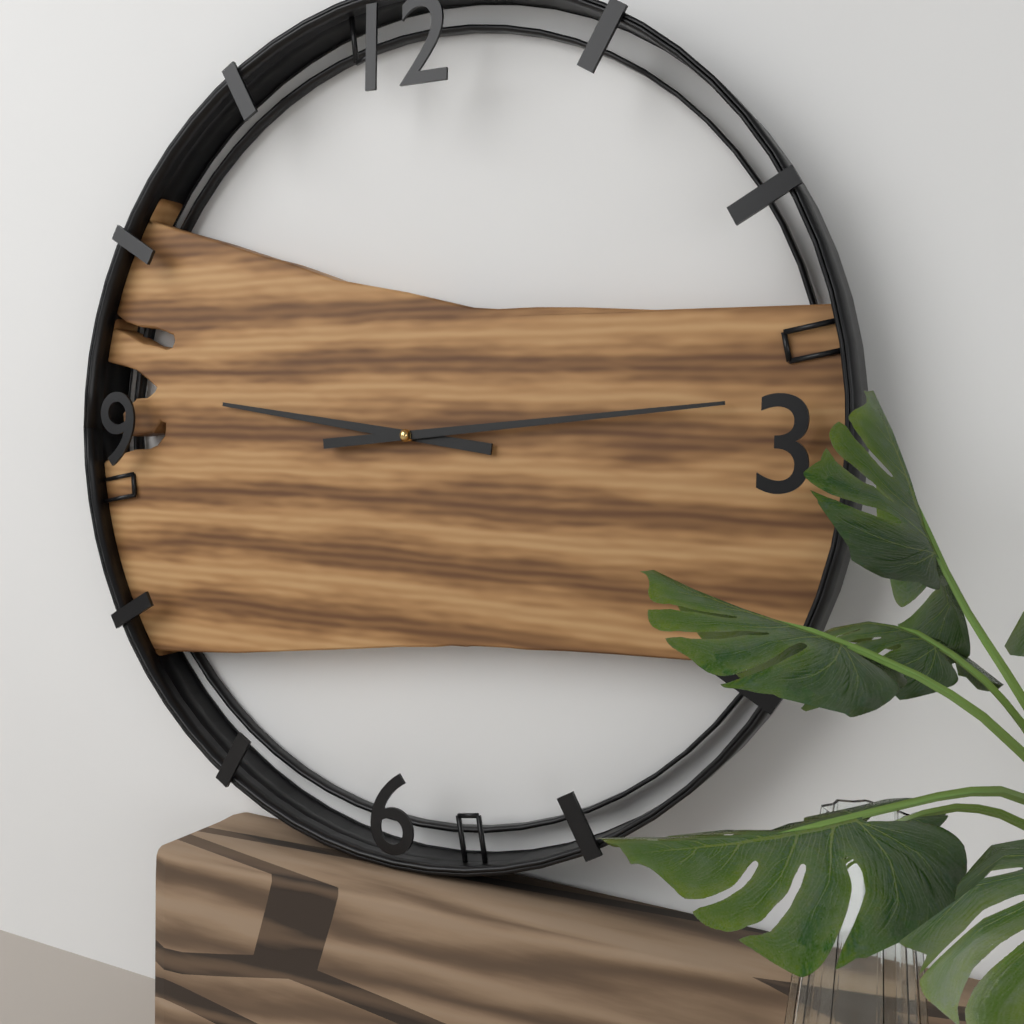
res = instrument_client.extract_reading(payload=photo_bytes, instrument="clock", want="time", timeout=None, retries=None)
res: 9:14
